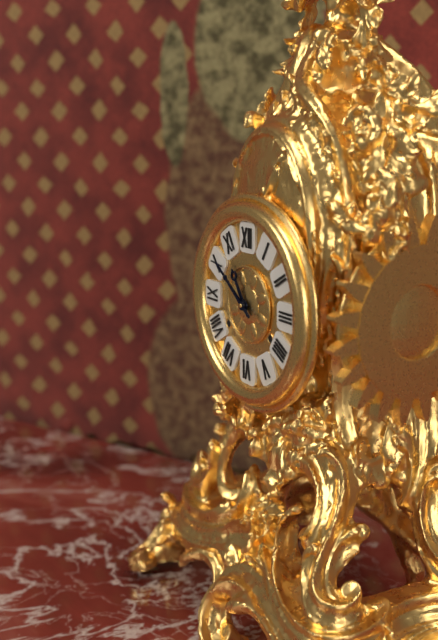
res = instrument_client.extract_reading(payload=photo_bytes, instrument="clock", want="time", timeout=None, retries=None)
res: 10:51
